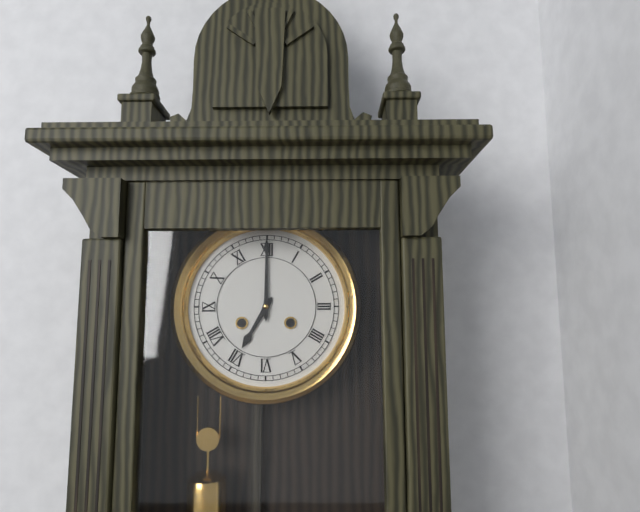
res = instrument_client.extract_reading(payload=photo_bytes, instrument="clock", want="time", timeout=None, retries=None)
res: 7:00
